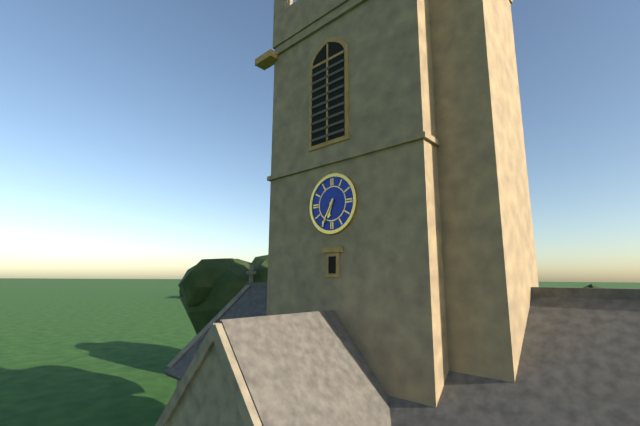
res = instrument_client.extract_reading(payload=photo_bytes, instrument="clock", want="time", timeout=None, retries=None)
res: 6:35
